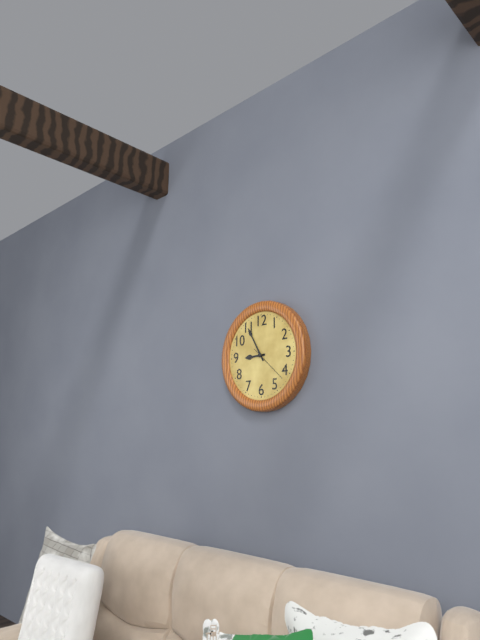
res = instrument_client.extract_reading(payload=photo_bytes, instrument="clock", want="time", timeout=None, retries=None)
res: 8:55
